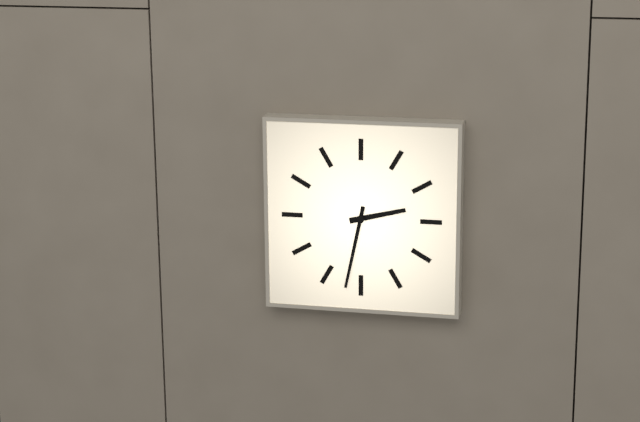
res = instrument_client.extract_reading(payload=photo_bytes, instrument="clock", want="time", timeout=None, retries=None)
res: 2:32
